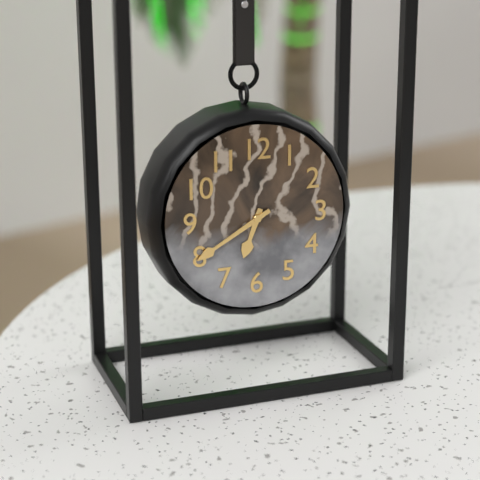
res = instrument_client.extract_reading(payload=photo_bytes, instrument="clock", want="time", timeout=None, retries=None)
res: 6:40
